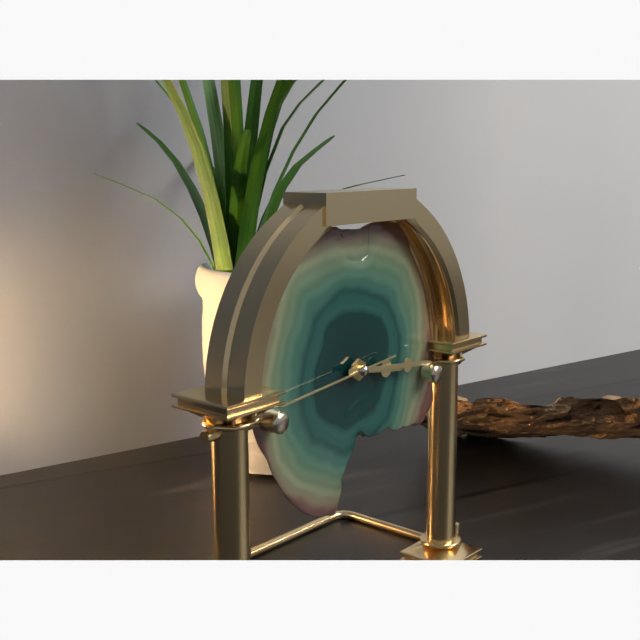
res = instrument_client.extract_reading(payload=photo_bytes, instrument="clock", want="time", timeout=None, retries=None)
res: 3:16:44
